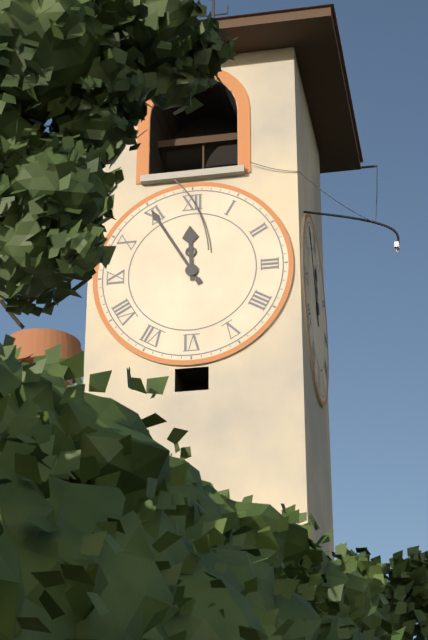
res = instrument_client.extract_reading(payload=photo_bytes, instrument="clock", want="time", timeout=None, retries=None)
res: 11:55
